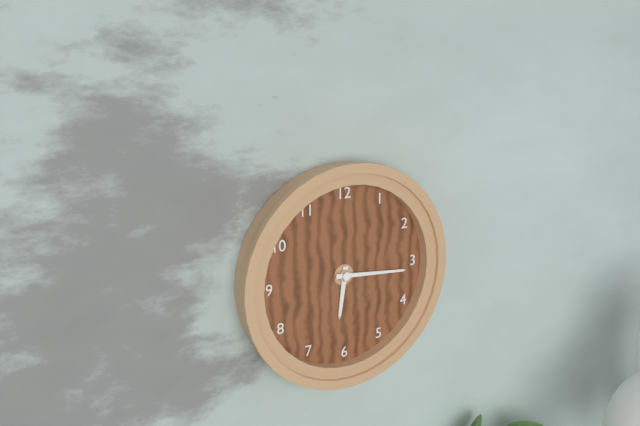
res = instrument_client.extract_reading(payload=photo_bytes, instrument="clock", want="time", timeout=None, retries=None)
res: 6:16
